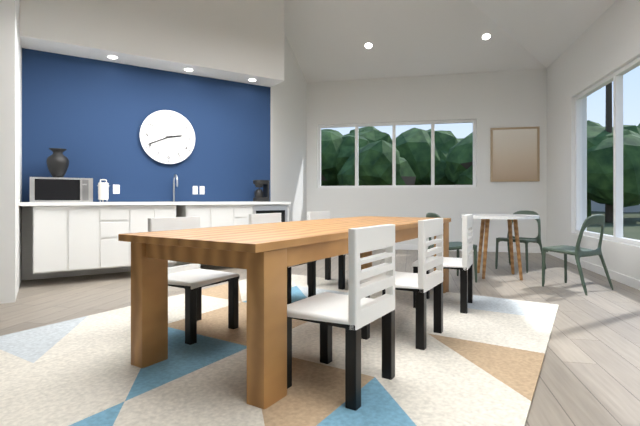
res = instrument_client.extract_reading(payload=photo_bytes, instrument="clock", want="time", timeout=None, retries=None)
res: 2:41
